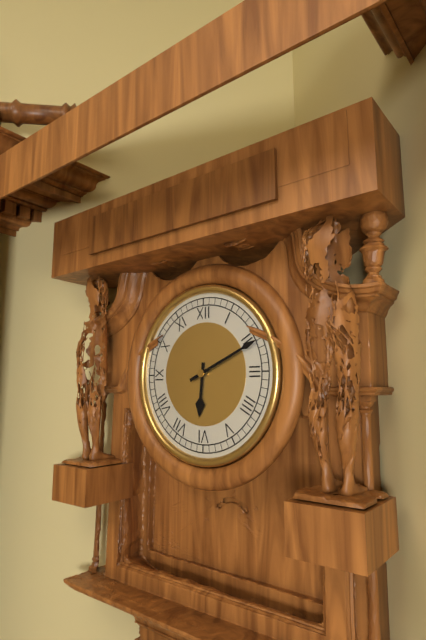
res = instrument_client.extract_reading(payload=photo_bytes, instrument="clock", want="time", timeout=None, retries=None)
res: 6:11
